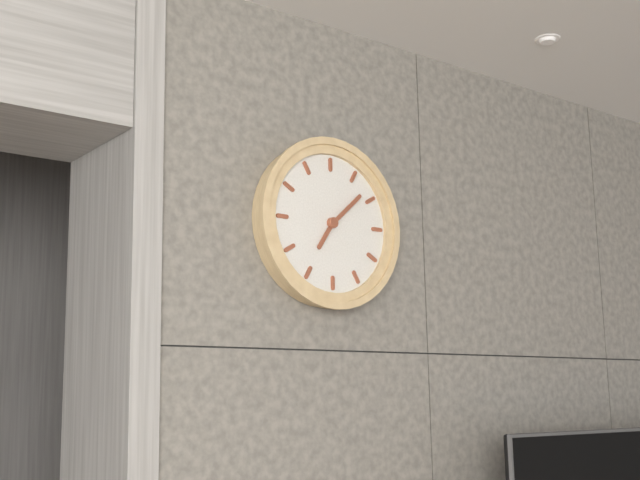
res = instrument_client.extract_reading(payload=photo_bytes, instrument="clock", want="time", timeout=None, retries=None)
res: 7:08
